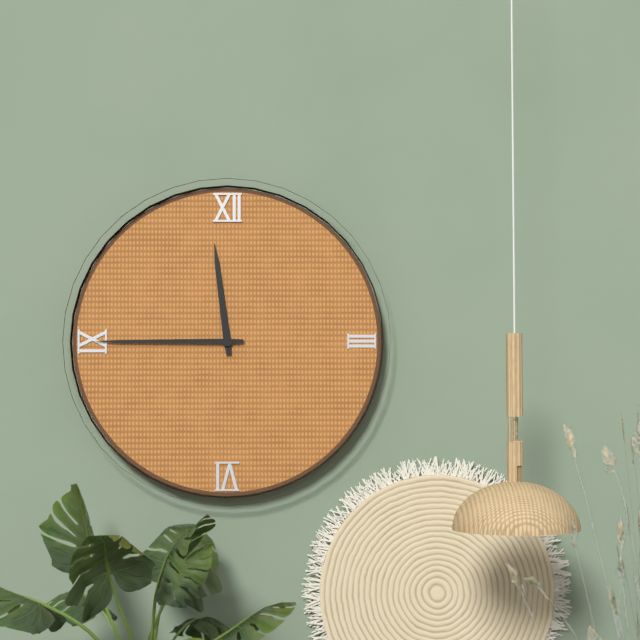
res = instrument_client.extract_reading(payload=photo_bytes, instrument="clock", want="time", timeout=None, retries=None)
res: 11:45
